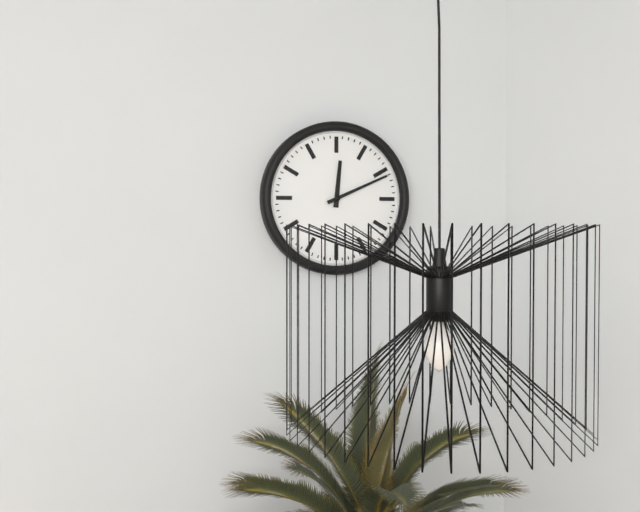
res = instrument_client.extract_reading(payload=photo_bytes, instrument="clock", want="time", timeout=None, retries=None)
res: 12:11
